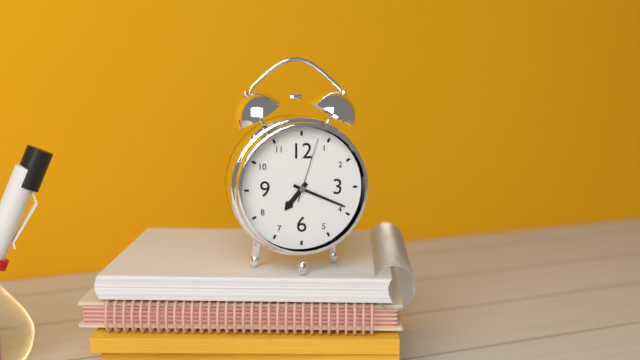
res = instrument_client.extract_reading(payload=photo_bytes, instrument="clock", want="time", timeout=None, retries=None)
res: 7:19:03
